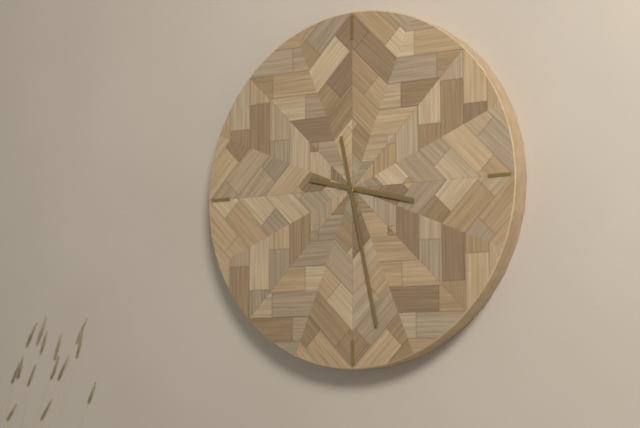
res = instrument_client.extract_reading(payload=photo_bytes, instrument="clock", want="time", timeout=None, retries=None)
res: 3:28
